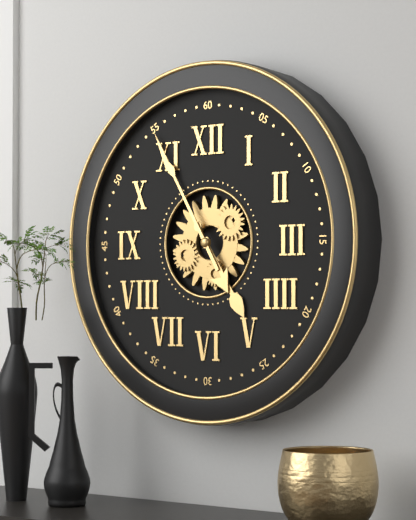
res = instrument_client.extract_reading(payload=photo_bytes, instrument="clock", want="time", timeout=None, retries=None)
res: 4:55
